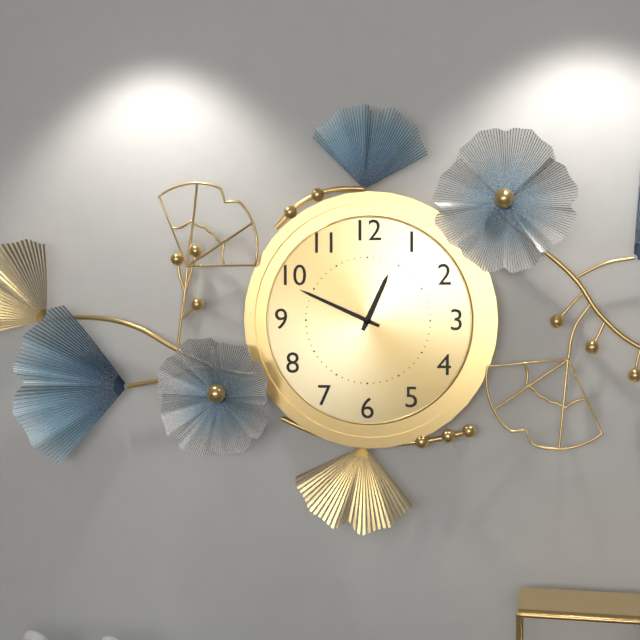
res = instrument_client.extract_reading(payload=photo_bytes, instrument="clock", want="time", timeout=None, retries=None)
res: 12:49
